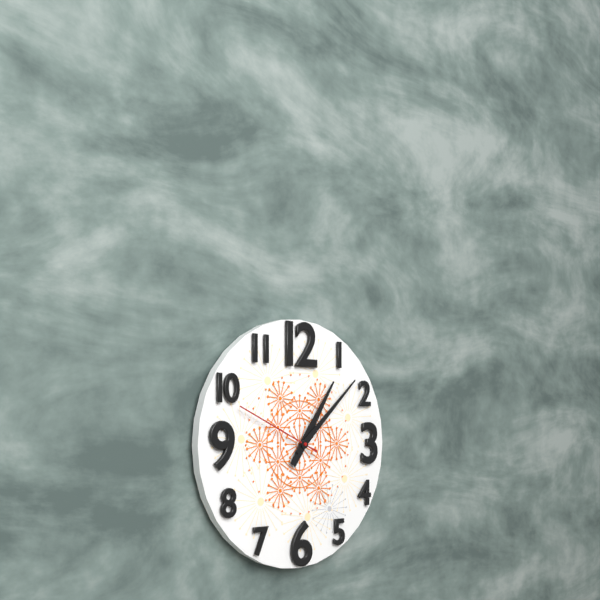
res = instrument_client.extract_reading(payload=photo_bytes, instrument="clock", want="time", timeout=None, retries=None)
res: 1:08:49
